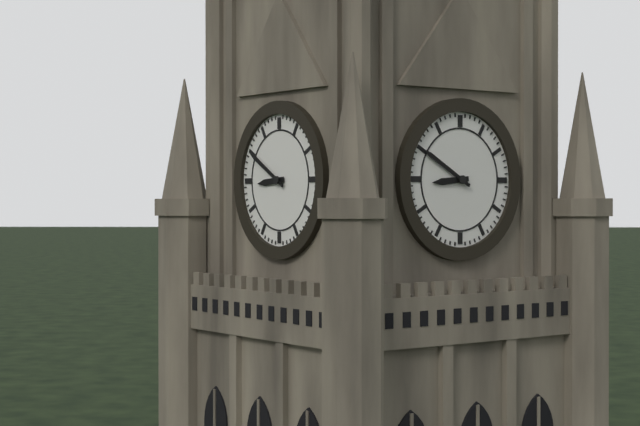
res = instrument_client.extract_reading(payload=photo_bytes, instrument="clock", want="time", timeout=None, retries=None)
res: 8:50
